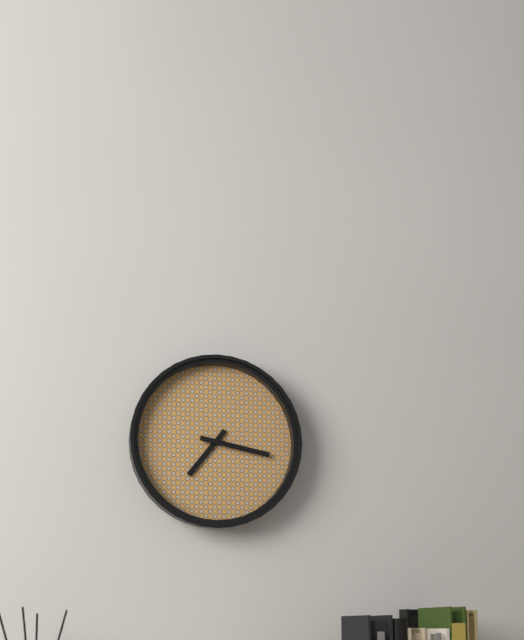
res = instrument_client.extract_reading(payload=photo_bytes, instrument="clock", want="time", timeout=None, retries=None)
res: 7:17
